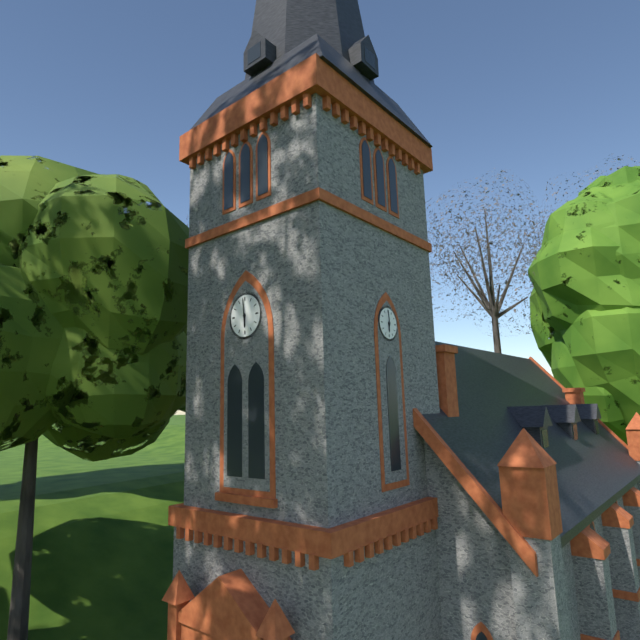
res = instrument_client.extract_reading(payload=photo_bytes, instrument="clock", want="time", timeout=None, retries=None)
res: 5:59
